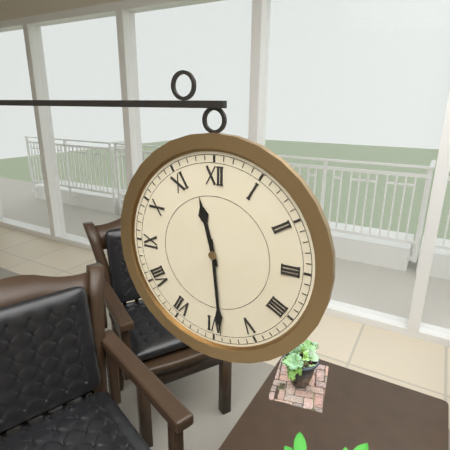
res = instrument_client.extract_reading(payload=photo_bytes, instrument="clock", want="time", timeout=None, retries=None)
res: 11:29
